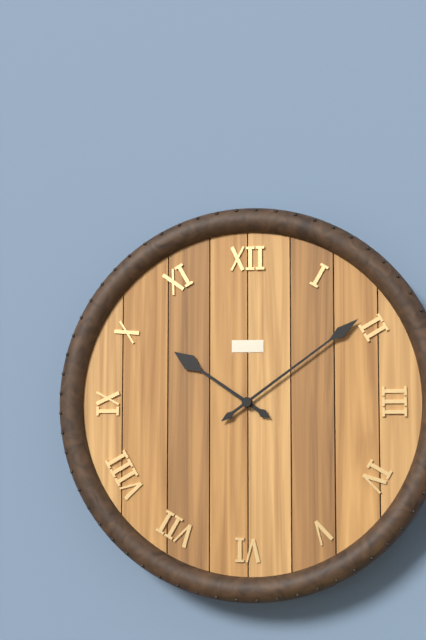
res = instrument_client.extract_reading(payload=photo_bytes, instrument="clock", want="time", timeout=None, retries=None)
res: 10:09
